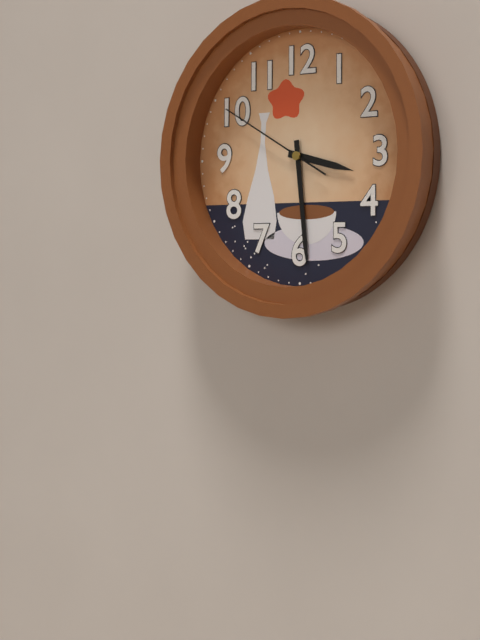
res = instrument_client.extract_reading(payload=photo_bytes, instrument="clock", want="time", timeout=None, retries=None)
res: 3:29:50
